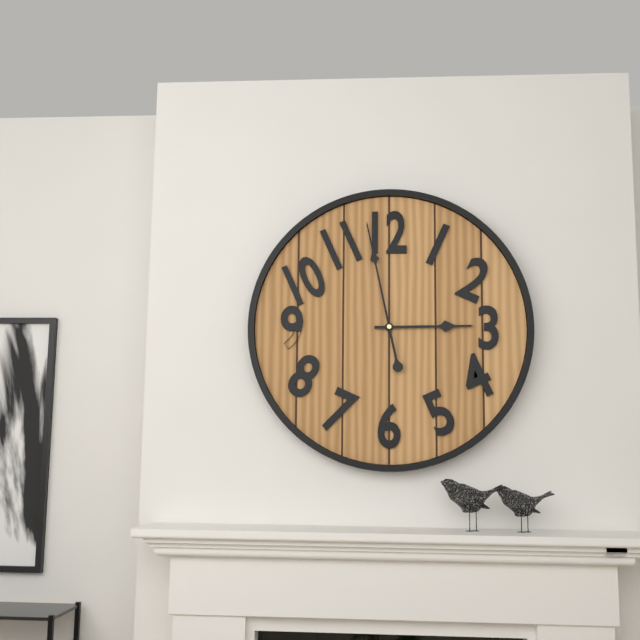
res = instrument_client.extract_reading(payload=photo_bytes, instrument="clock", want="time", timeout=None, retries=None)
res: 2:58
